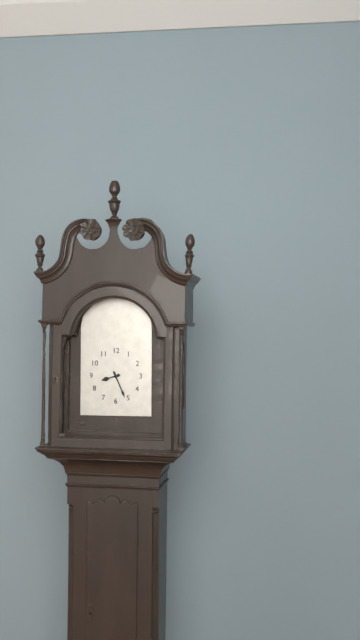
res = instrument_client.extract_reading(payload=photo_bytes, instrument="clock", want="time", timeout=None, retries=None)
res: 8:26
